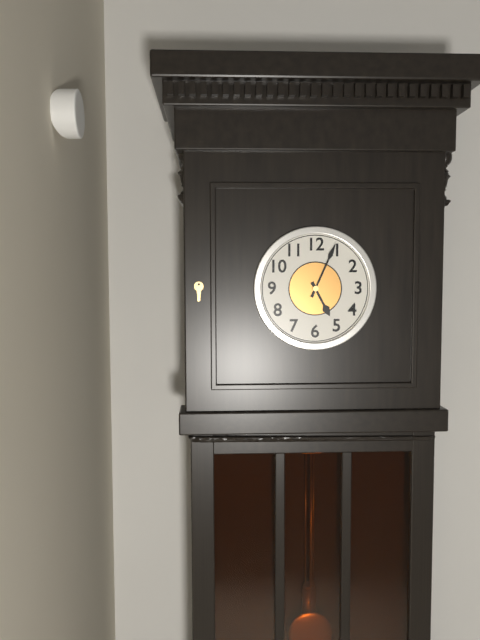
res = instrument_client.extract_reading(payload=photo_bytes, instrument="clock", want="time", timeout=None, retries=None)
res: 5:04
